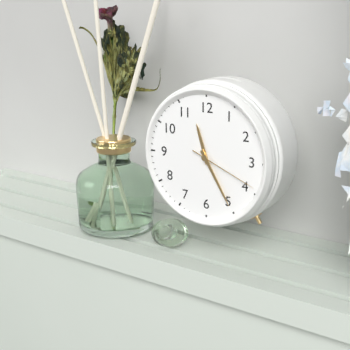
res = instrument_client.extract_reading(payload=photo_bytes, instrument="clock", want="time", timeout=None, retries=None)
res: 11:25:19
